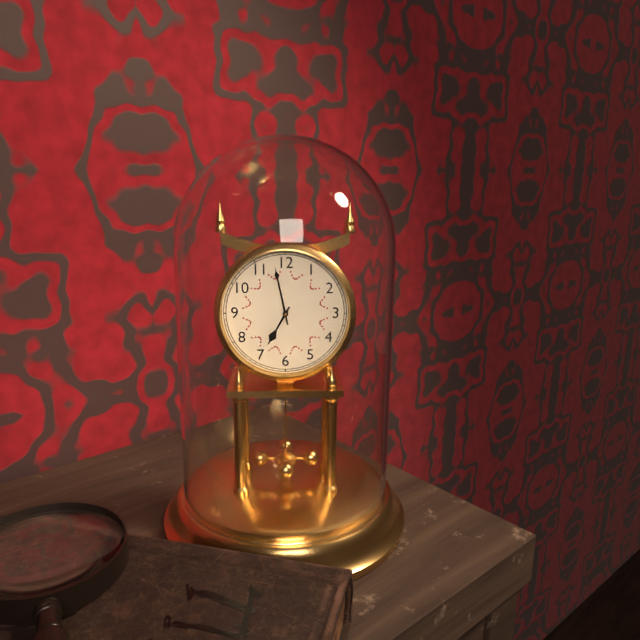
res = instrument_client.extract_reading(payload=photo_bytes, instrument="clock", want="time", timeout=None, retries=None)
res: 6:58
